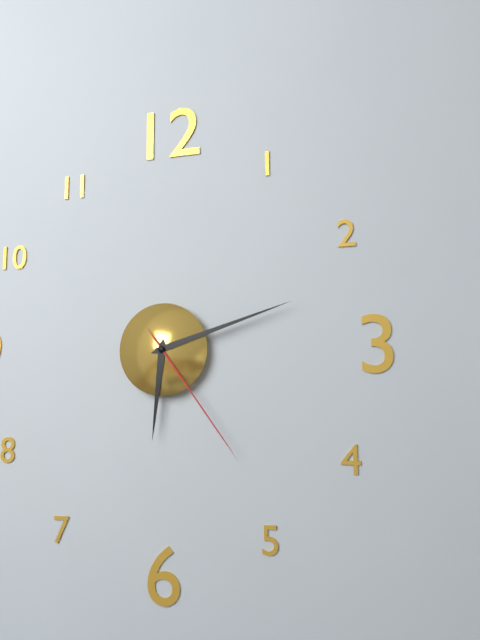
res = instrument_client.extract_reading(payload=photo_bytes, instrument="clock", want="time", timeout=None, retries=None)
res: 6:12:24
